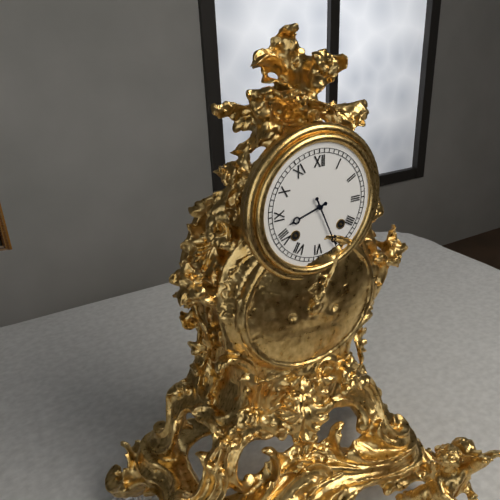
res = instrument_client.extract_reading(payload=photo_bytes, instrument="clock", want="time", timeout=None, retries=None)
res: 8:26
